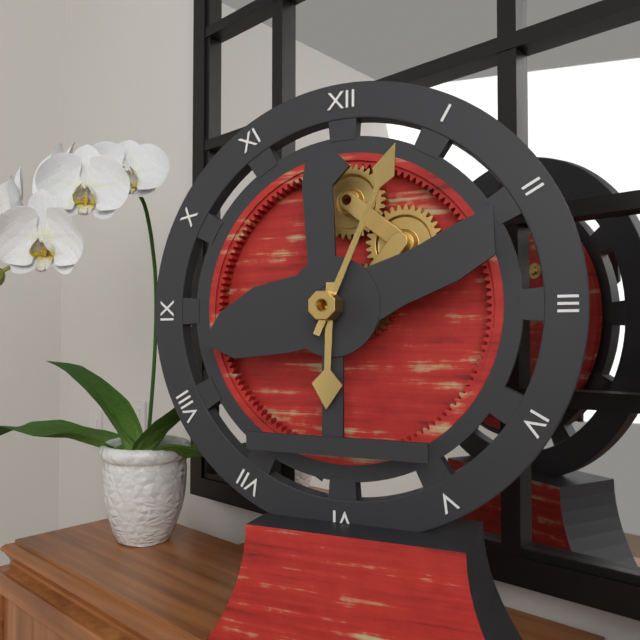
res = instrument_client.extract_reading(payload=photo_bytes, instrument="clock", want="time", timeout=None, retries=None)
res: 6:04
